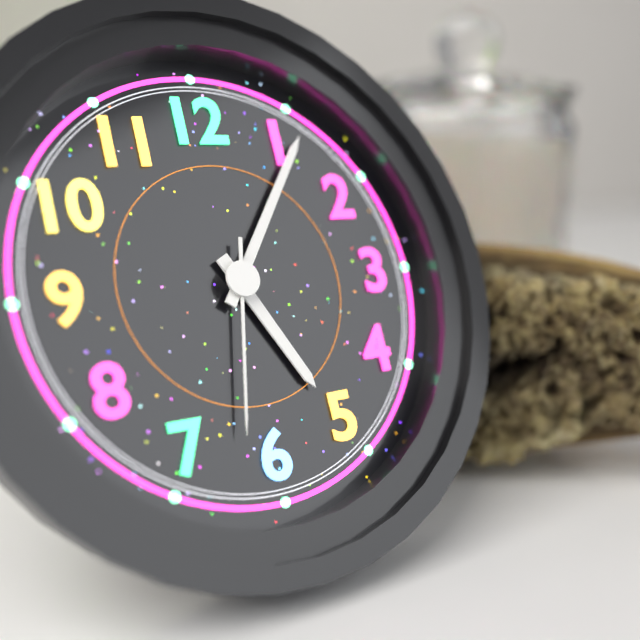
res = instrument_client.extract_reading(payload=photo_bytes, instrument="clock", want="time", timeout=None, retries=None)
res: 5:06:32
